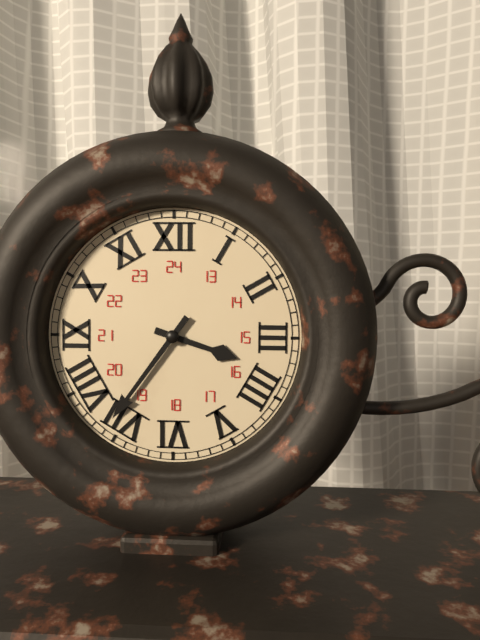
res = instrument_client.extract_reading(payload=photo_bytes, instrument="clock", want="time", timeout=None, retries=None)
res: 3:36
